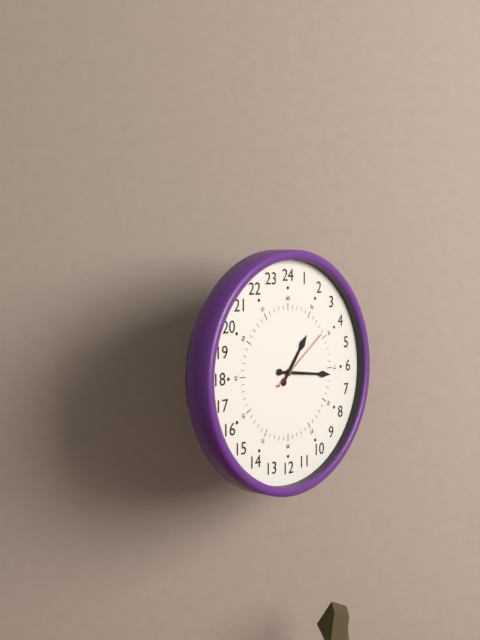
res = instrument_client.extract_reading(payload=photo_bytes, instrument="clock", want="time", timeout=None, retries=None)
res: 1:16:09
